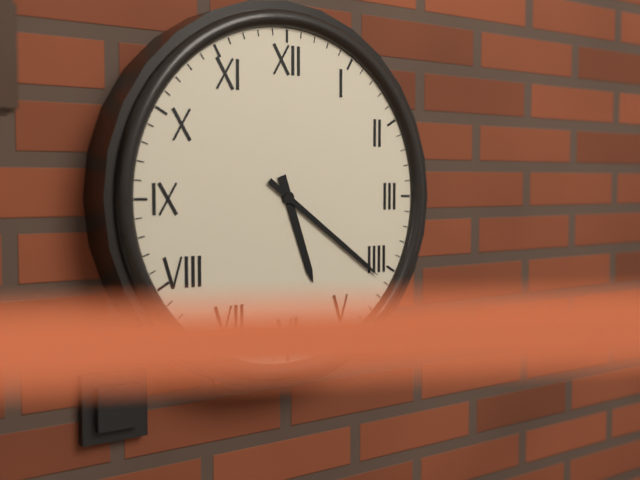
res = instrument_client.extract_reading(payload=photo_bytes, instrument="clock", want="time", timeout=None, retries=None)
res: 5:21
